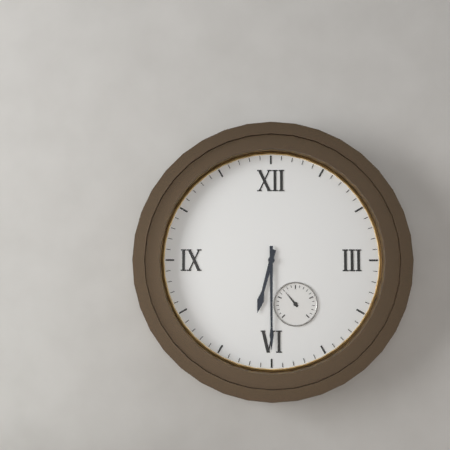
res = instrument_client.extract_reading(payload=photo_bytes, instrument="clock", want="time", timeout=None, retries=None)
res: 6:30
